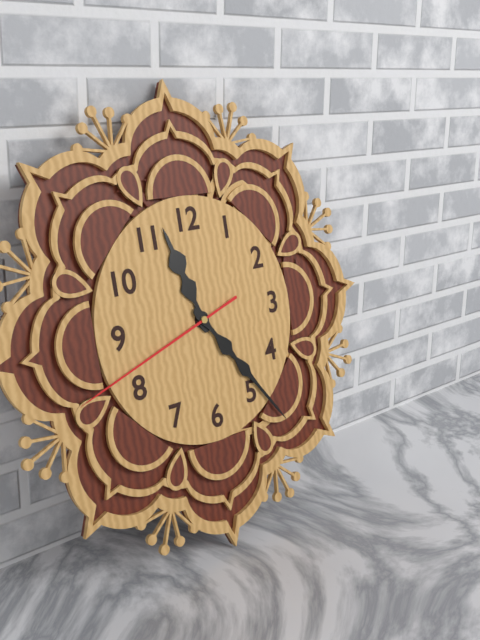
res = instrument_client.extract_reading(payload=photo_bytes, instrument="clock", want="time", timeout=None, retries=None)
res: 11:24:42
